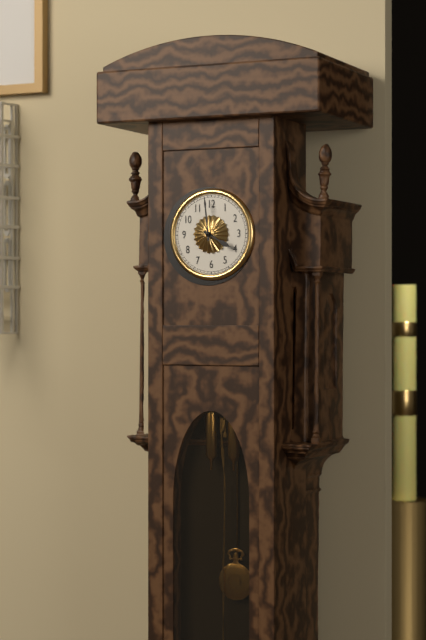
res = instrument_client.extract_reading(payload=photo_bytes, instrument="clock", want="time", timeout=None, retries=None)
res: 3:59
